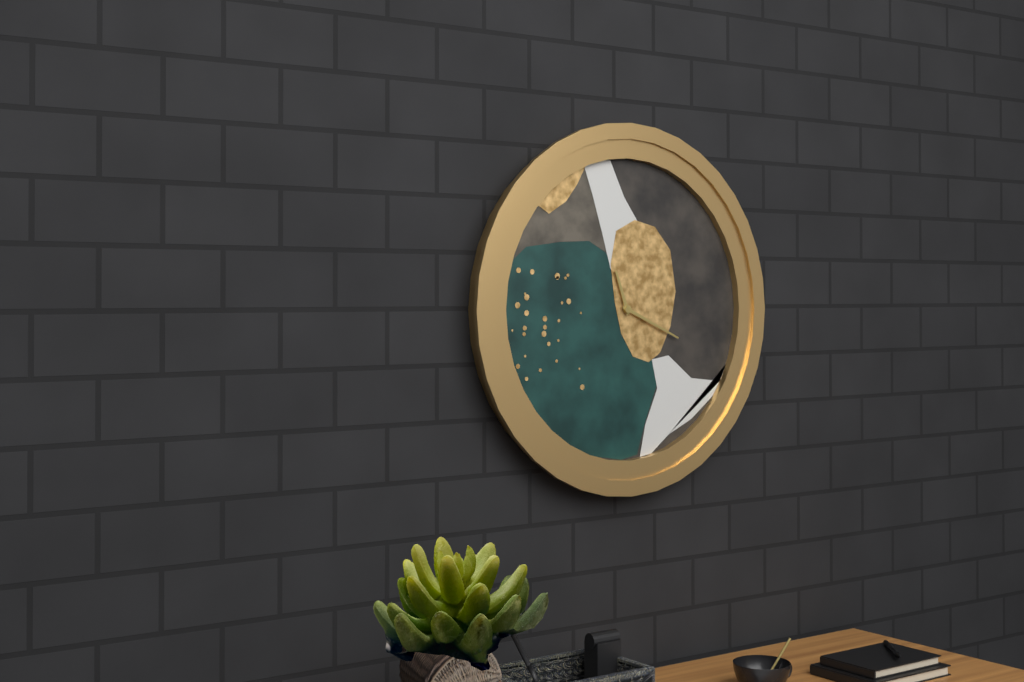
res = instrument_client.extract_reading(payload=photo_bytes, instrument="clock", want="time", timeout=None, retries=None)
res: 11:19
